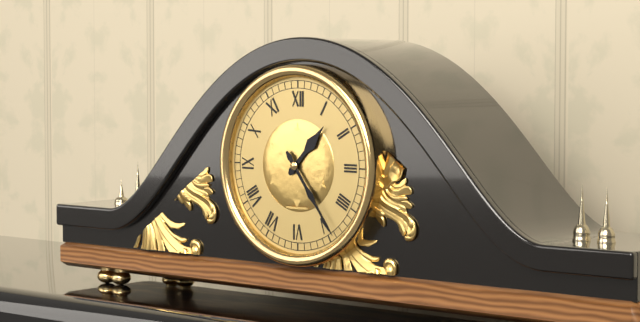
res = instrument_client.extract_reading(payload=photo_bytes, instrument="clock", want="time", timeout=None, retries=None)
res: 1:24
